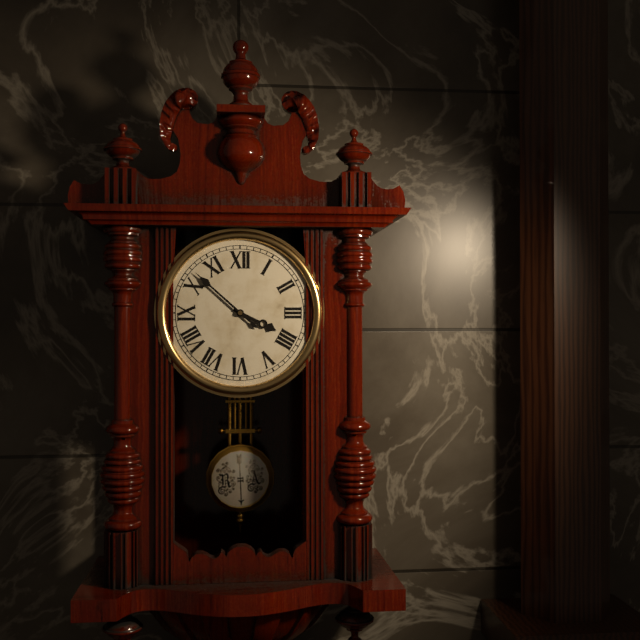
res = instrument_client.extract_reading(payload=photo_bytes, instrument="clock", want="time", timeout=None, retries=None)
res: 3:52
